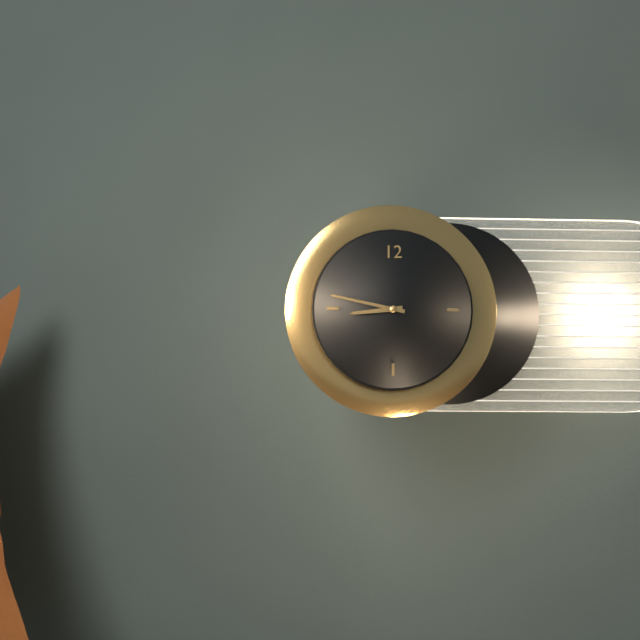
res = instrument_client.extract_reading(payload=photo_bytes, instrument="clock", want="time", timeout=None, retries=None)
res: 8:47
